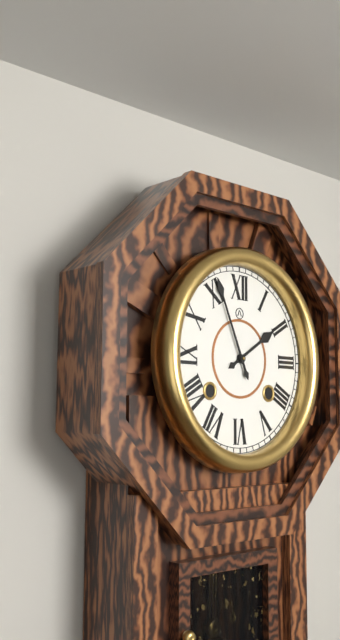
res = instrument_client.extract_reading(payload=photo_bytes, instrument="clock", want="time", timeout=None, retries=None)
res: 1:56
